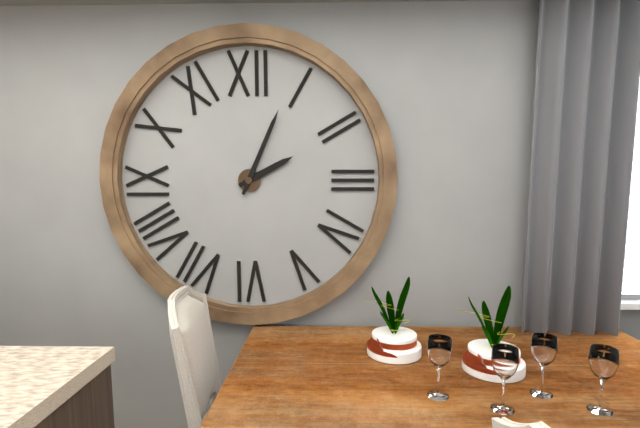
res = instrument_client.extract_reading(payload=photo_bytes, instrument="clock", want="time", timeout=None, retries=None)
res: 2:04
